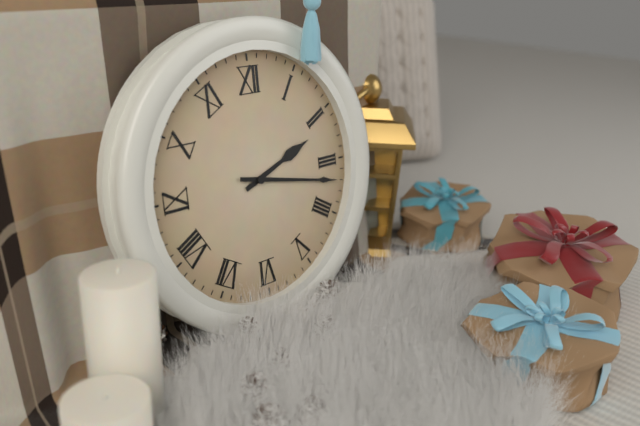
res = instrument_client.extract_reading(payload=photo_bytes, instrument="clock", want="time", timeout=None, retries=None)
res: 2:17
